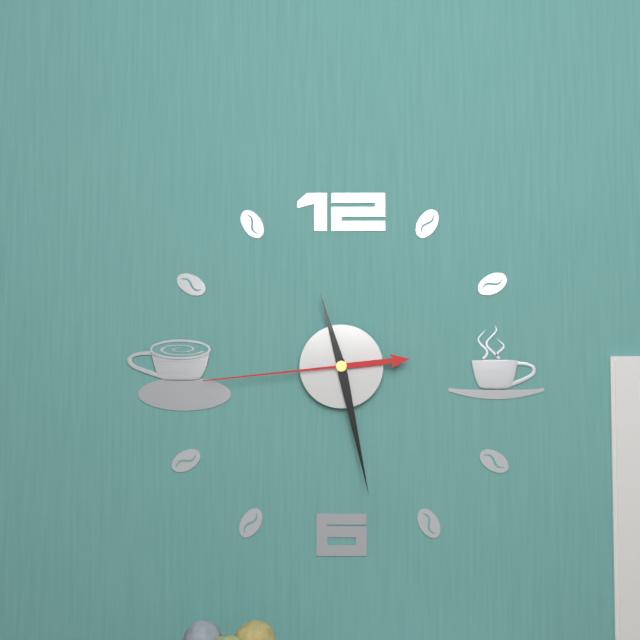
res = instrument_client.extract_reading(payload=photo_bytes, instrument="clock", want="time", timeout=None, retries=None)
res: 11:28:44
